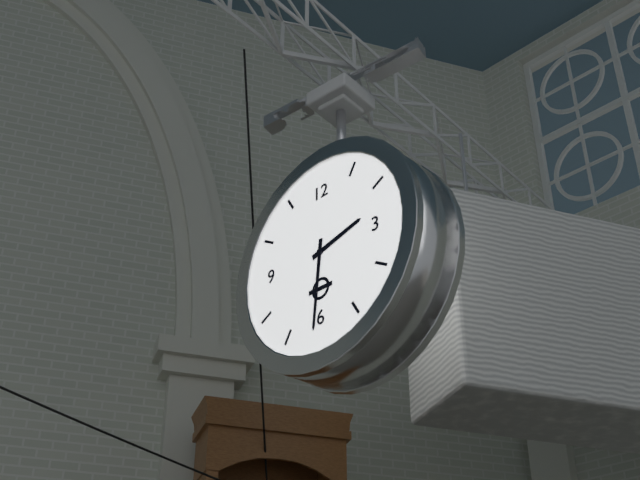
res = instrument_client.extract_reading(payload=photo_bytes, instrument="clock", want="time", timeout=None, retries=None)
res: 2:31
